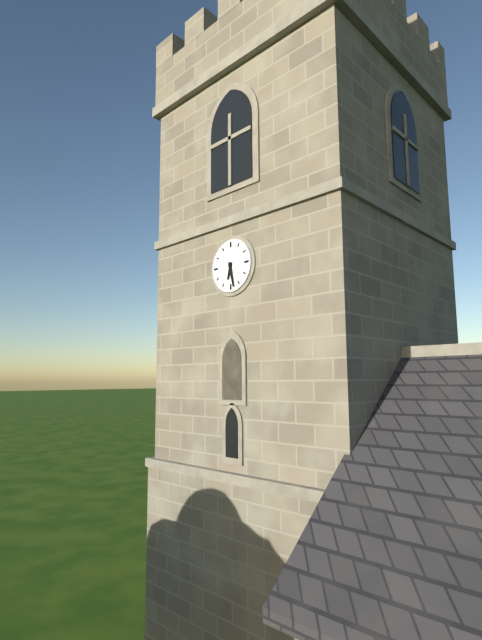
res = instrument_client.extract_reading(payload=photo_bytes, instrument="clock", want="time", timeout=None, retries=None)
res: 6:28
